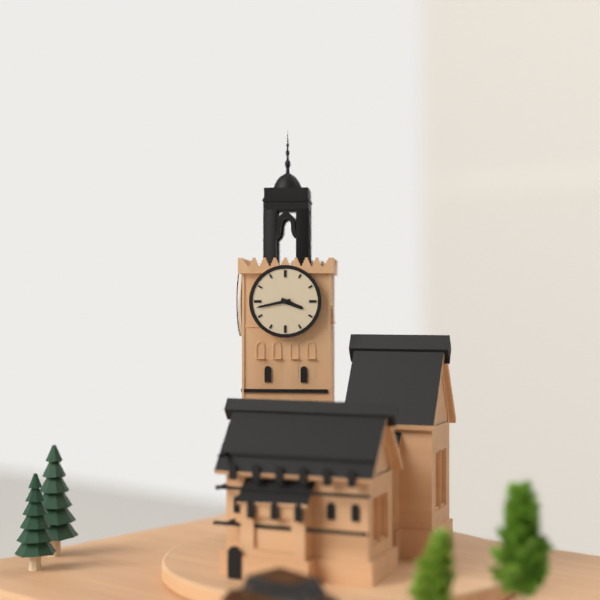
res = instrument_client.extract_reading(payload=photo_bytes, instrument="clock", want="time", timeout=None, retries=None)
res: 3:43
